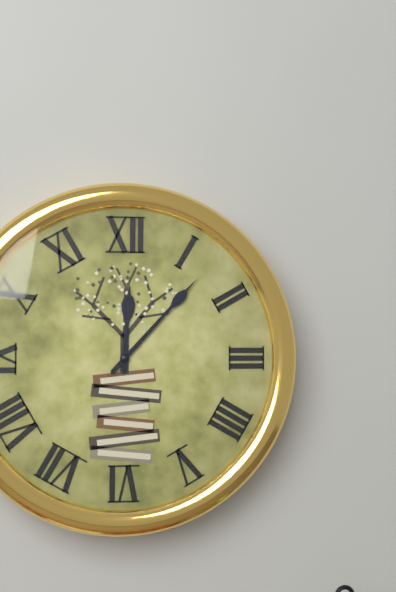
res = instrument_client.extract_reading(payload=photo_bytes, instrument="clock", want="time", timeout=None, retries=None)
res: 12:07
